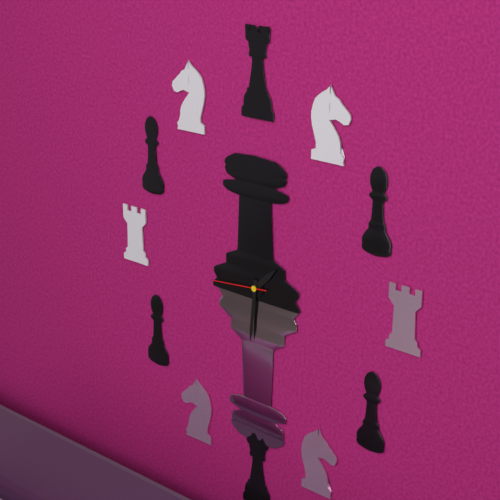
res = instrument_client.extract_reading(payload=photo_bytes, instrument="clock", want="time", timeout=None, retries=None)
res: 1:31:44
